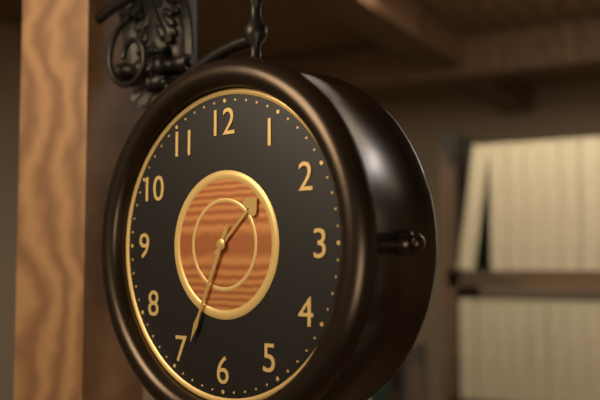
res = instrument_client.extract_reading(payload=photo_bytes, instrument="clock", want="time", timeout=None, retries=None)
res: 1:34
